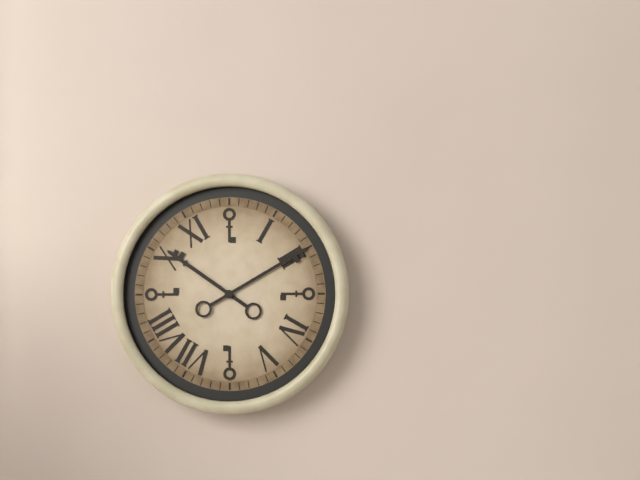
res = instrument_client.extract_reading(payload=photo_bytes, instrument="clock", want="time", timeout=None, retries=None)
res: 10:10
